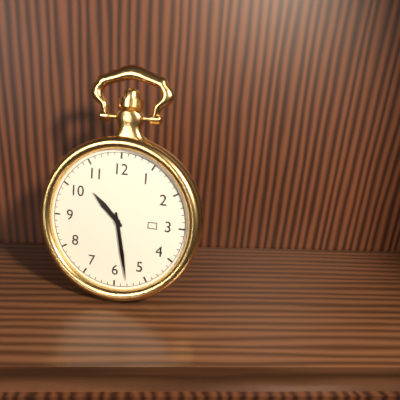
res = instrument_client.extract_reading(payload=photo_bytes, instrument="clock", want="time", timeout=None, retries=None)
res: 10:28
